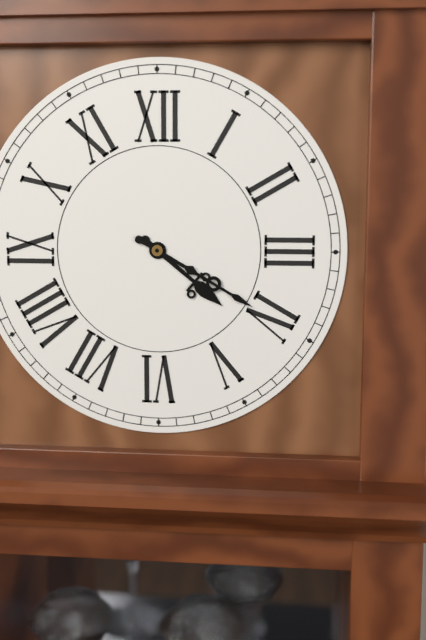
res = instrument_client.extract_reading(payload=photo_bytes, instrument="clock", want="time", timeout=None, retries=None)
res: 4:20
